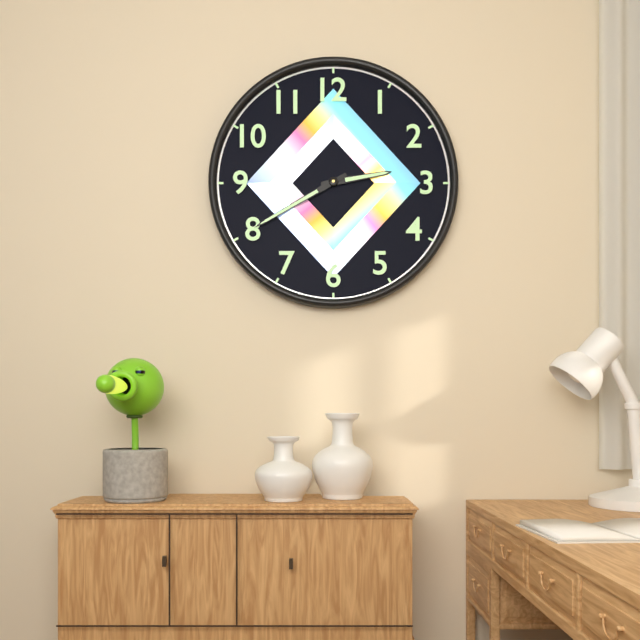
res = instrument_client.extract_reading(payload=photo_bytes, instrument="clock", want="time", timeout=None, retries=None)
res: 2:40
